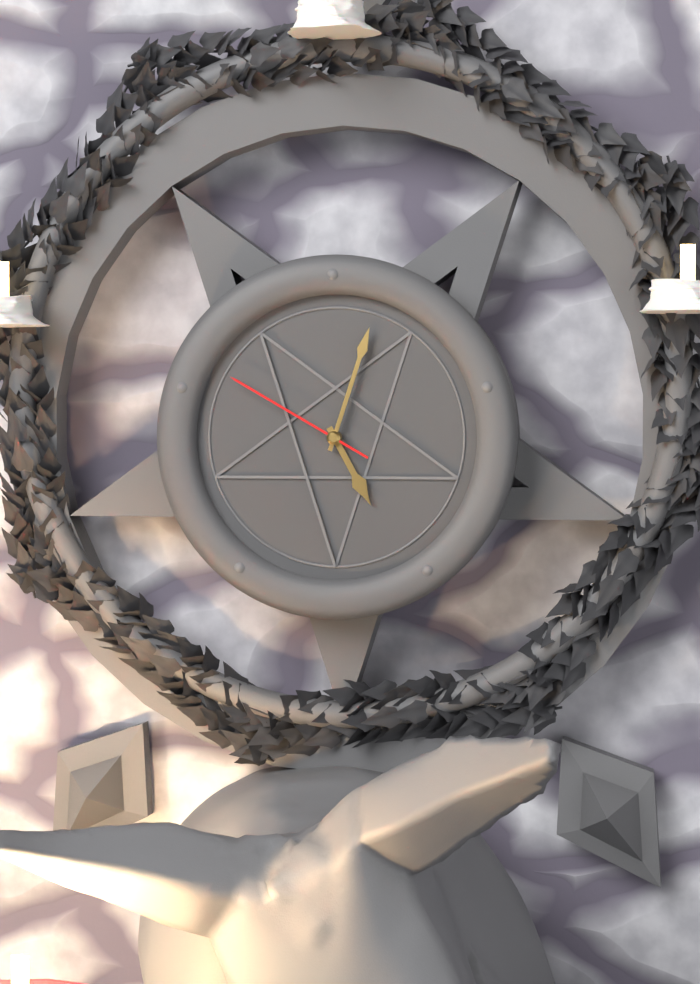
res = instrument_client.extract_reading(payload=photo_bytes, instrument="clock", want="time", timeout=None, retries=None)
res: 5:03:50
